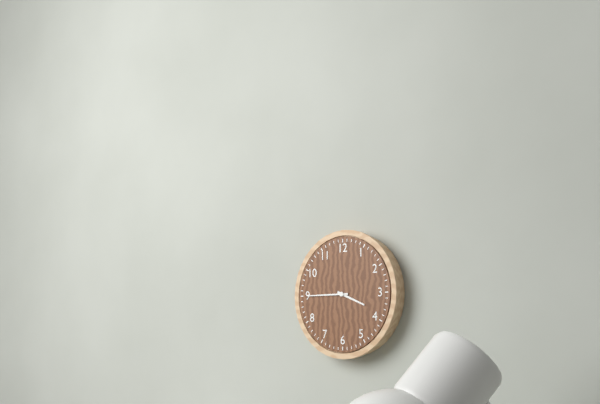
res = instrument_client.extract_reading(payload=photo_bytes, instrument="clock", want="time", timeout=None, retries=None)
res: 3:45
